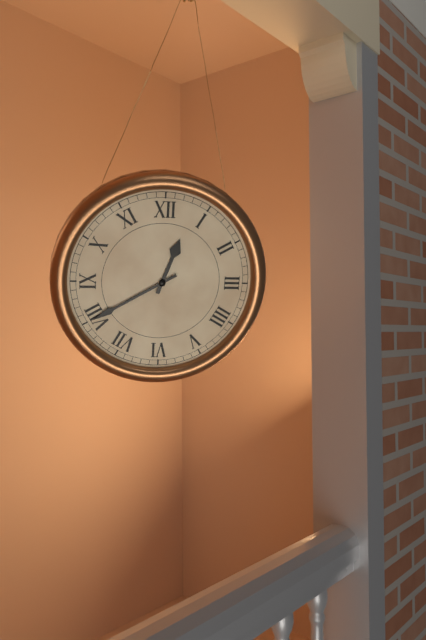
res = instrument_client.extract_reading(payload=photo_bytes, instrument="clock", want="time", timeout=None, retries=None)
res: 12:40
